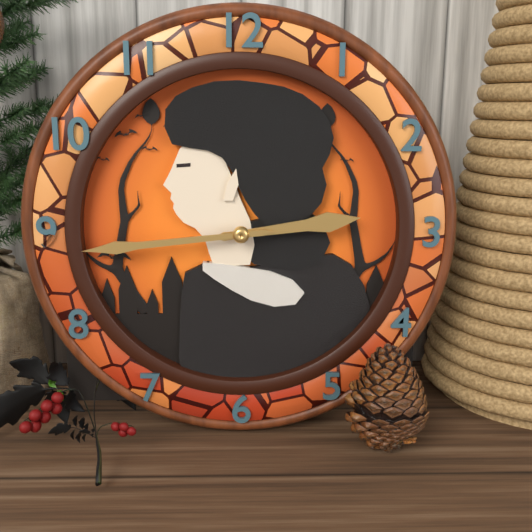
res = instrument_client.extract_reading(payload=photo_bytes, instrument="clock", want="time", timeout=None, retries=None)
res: 2:44
